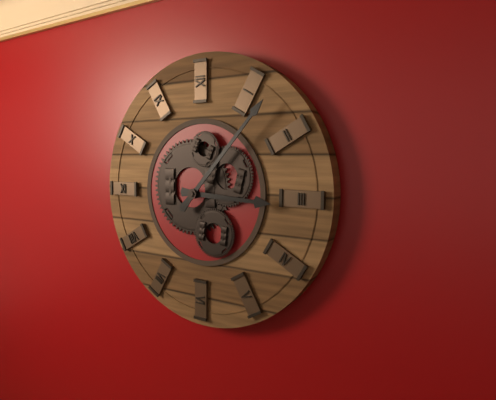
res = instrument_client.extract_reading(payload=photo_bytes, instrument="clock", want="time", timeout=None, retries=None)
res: 3:07
